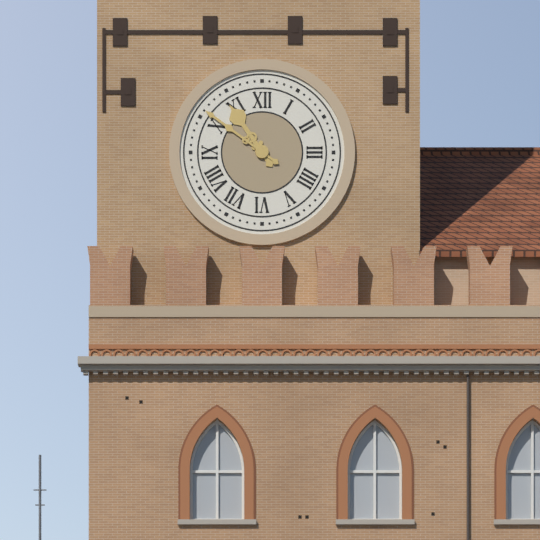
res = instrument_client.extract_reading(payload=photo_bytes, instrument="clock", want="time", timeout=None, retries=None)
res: 10:51
